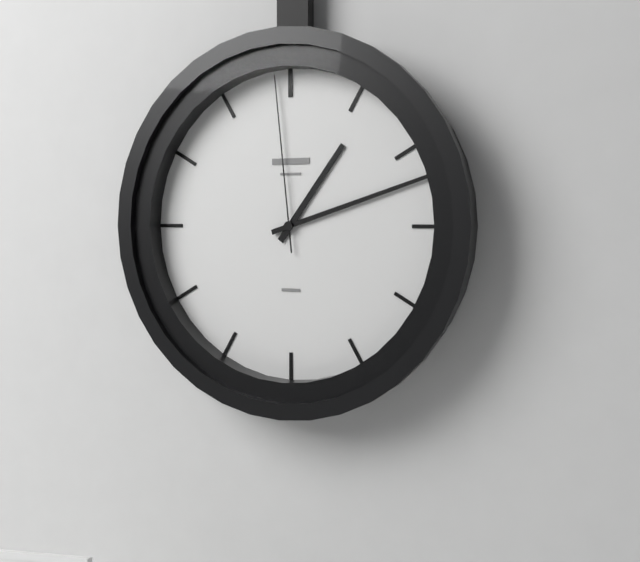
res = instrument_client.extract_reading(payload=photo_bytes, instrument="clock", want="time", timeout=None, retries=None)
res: 1:12:59
